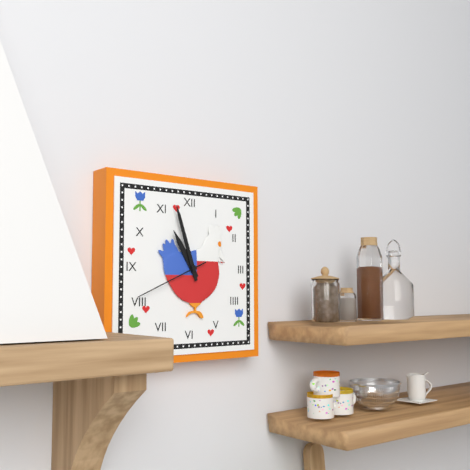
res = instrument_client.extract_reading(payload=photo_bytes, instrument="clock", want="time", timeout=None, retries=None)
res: 10:57:41
